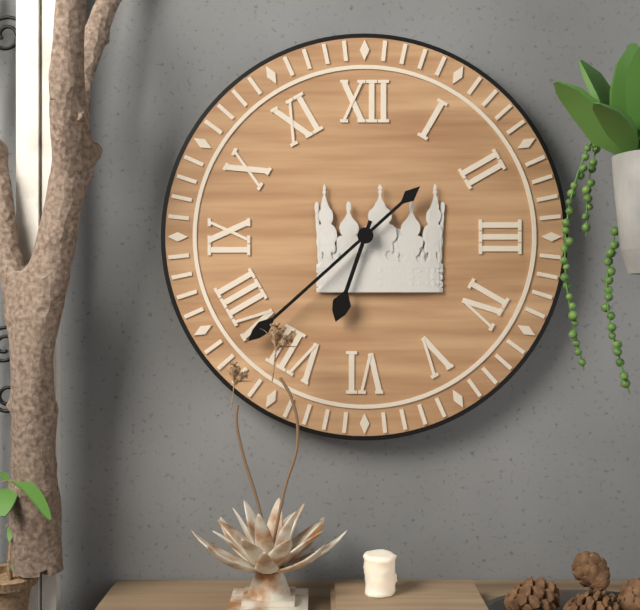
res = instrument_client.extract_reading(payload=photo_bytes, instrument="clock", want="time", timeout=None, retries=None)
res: 6:38
